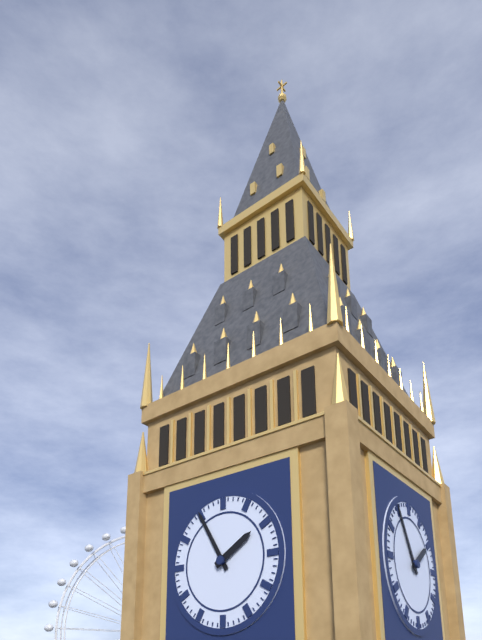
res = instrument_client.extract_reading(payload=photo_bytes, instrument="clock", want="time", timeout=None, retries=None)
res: 1:55
